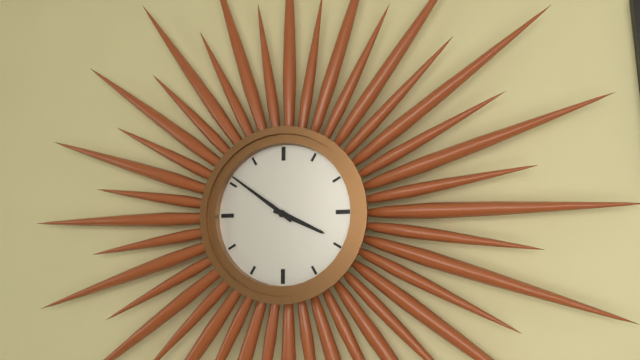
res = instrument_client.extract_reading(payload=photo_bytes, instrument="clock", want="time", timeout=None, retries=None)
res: 3:51
